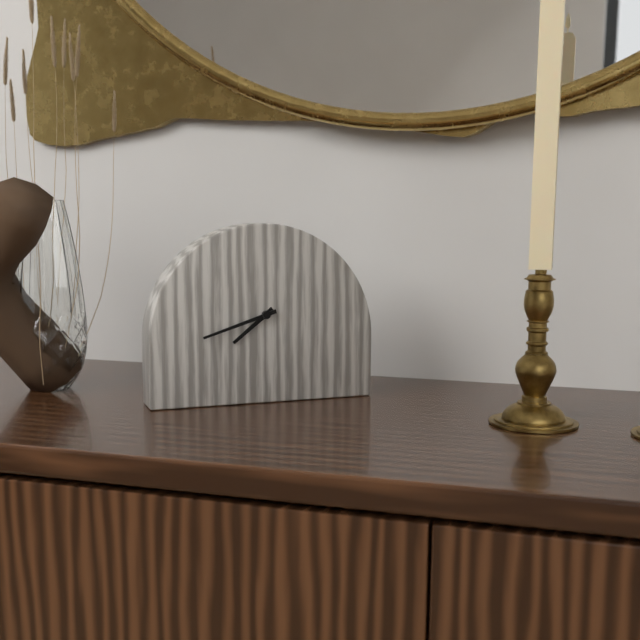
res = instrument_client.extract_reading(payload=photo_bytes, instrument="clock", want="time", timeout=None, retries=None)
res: 7:42
